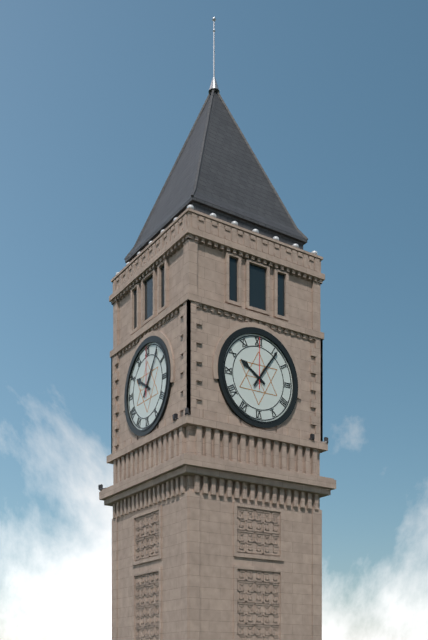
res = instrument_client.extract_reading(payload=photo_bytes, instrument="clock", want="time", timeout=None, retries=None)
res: 10:06:00
